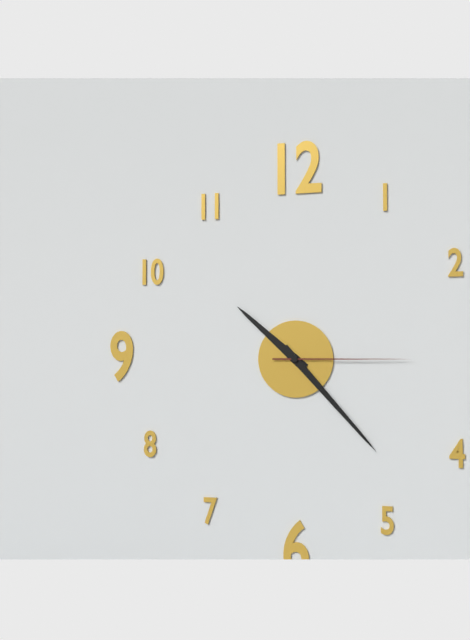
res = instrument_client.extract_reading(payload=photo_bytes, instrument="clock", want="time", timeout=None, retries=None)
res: 10:23:15
